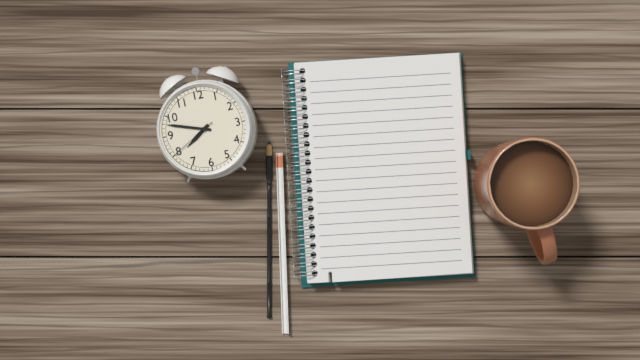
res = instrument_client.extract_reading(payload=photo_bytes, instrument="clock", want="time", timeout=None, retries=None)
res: 7:48
